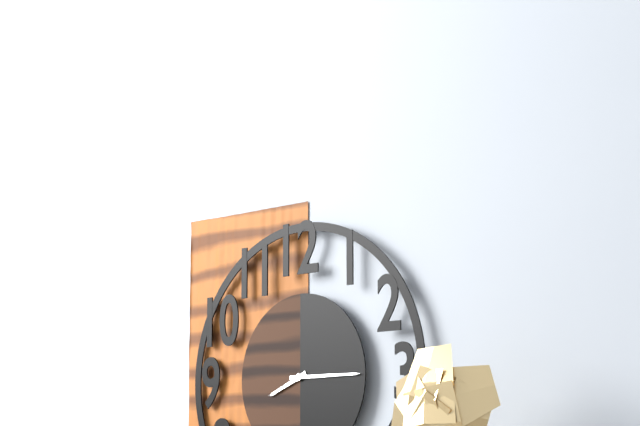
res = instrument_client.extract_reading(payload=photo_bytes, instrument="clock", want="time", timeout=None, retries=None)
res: 8:15
